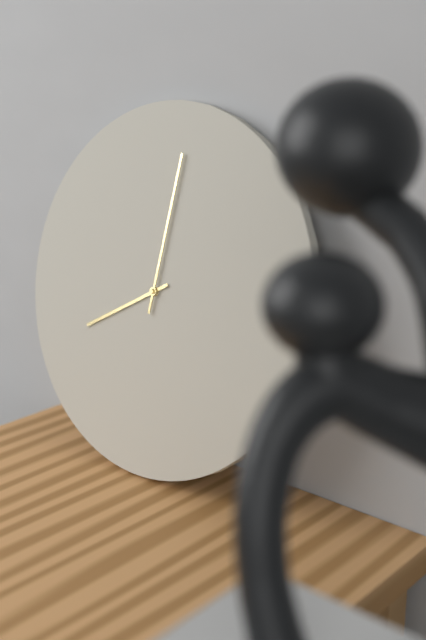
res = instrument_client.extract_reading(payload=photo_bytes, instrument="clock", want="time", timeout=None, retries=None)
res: 8:01
